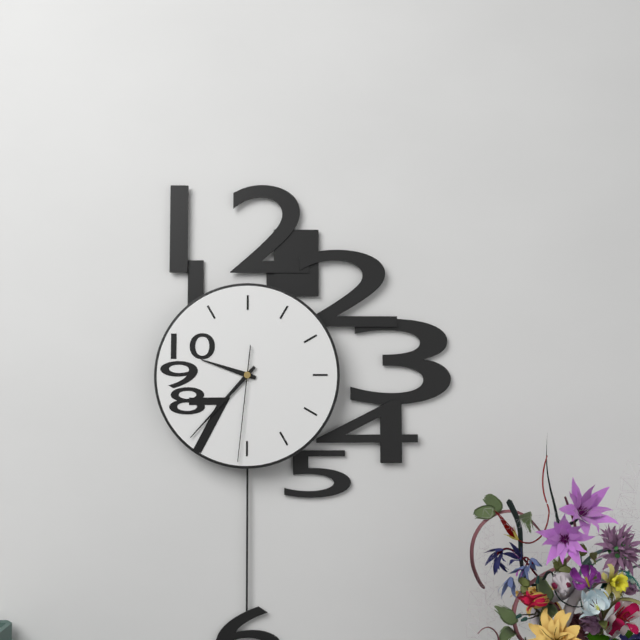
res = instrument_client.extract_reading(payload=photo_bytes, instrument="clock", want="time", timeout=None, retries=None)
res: 9:37:31
